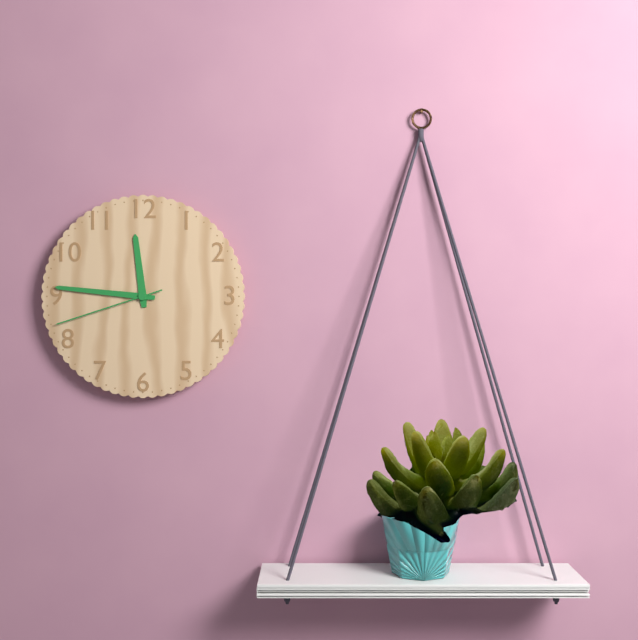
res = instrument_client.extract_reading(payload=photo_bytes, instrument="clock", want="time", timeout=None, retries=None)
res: 11:46:42
